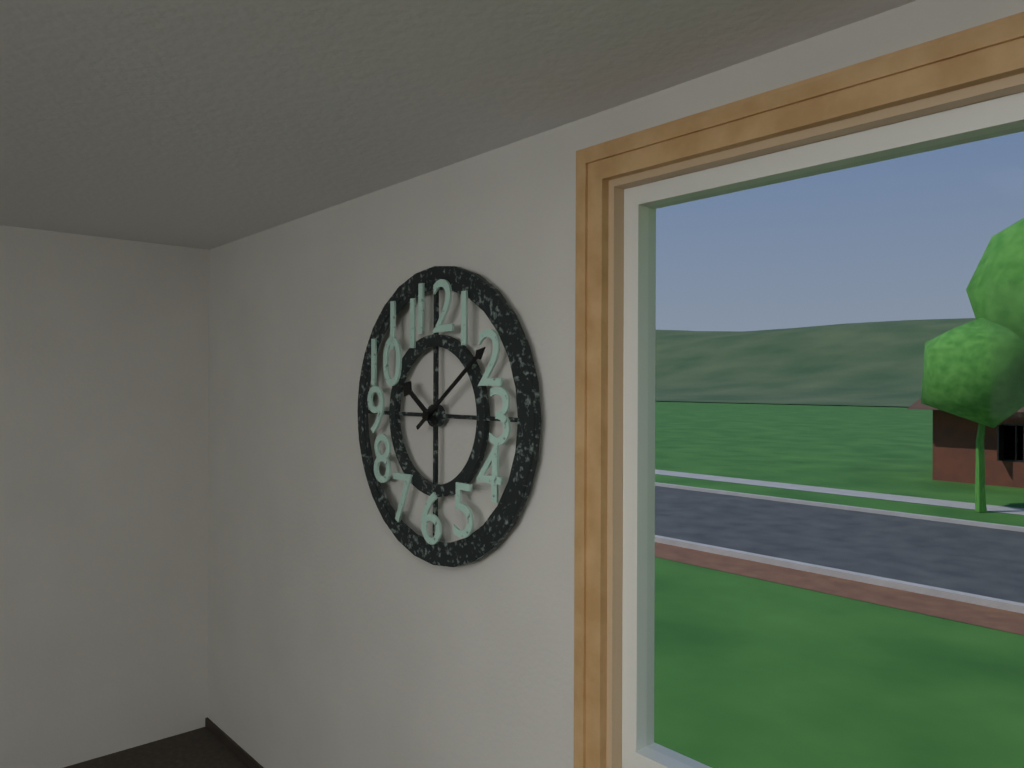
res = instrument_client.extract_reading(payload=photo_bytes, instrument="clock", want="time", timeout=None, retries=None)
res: 10:09
